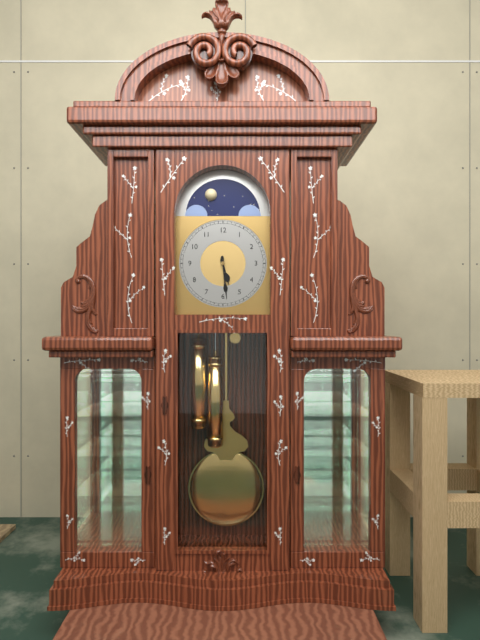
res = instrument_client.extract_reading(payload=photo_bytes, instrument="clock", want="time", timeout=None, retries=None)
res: 5:29
